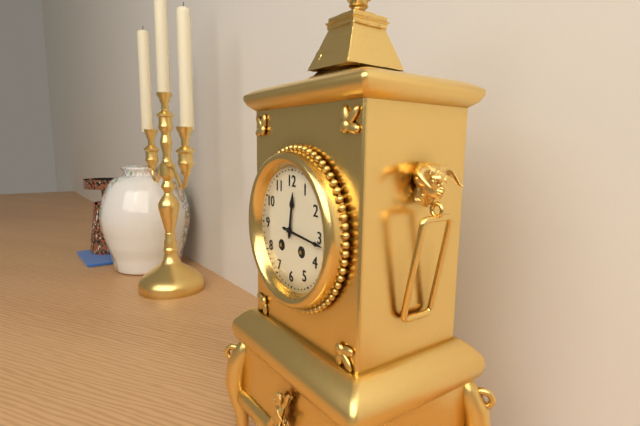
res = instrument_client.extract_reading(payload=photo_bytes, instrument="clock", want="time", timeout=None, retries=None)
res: 12:16
